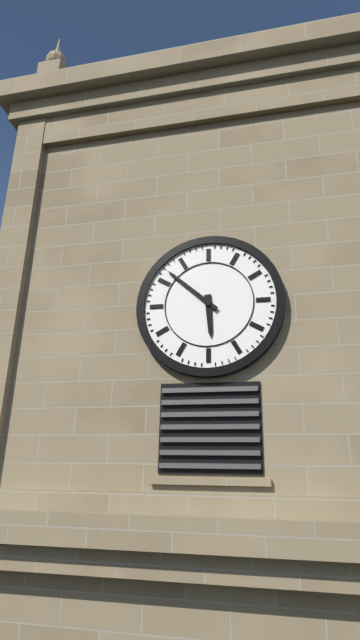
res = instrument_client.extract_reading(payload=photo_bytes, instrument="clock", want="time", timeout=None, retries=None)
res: 5:52
